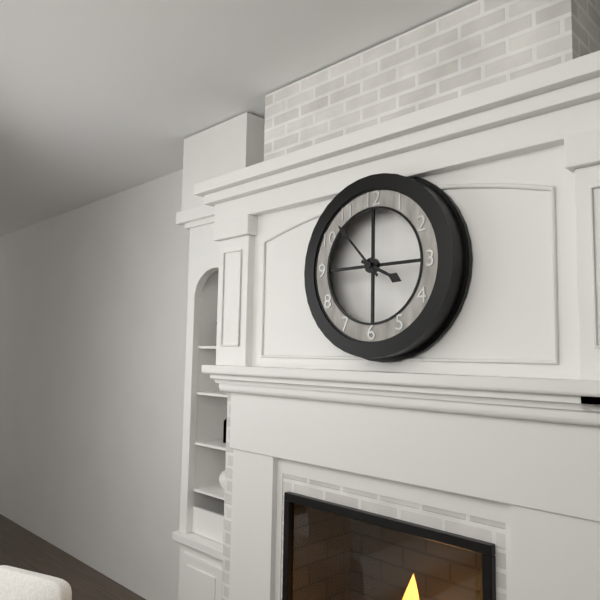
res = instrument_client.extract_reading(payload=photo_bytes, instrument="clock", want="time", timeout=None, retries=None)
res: 3:53
